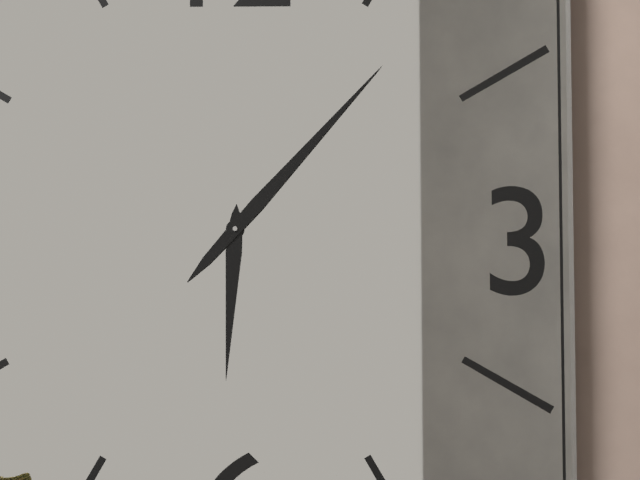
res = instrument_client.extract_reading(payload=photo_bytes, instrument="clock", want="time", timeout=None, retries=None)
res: 6:07
